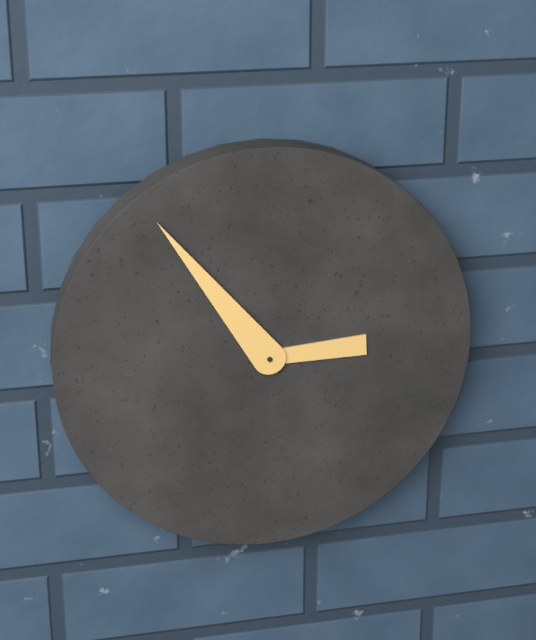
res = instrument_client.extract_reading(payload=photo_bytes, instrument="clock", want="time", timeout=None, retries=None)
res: 2:54
